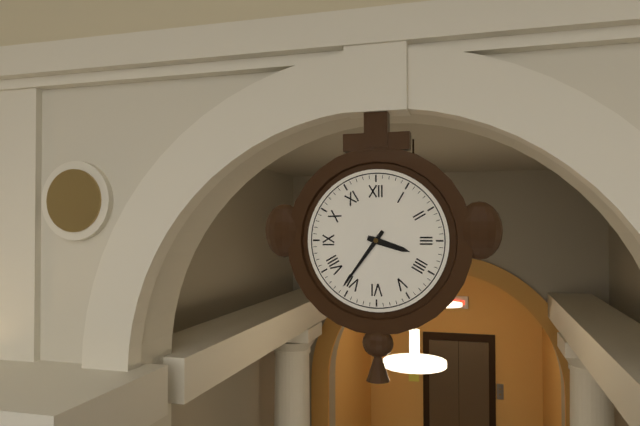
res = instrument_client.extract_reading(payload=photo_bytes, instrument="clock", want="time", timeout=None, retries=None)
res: 3:36
